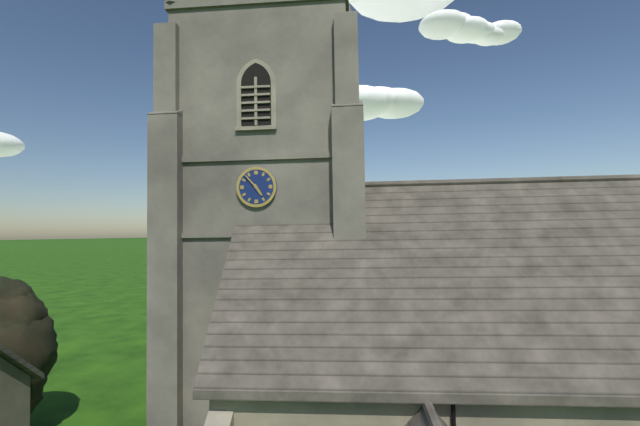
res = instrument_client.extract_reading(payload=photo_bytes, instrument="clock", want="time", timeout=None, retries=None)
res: 4:53
